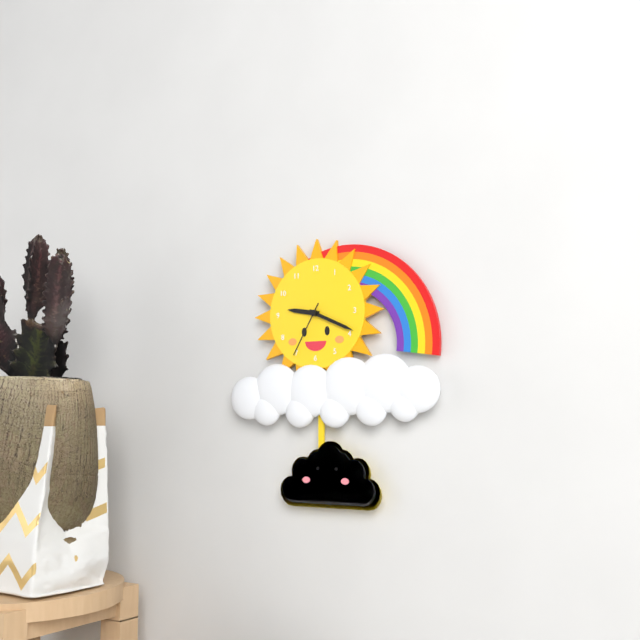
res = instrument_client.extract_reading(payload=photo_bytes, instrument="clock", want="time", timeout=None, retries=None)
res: 9:19:35
